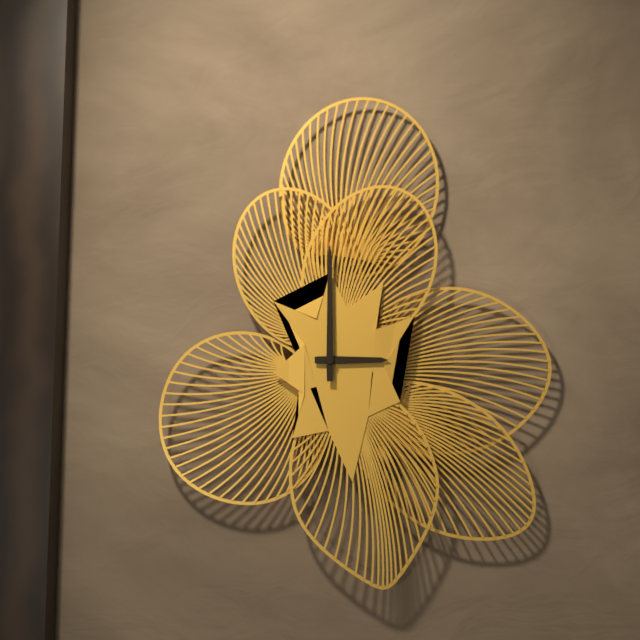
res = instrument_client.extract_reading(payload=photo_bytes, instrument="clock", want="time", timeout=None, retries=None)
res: 3:00
